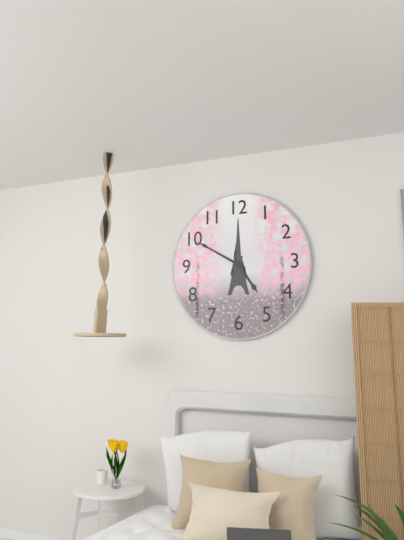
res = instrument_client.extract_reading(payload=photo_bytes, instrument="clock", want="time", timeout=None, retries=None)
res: 4:50
